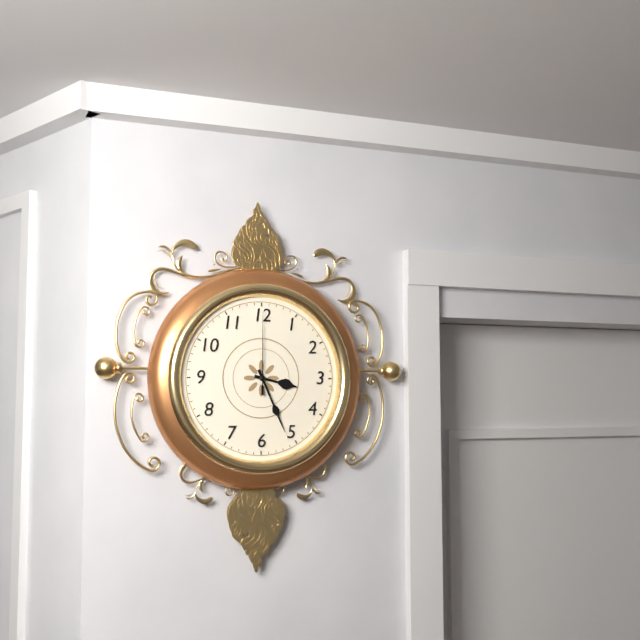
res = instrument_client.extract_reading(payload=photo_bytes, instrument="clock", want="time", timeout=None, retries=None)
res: 3:26:00
